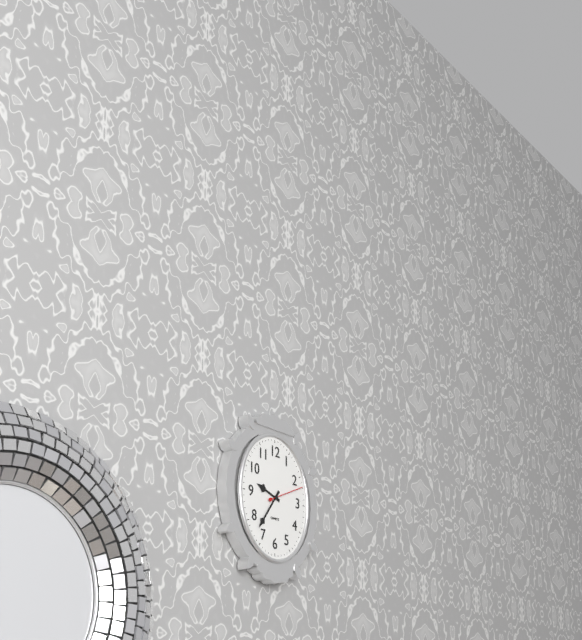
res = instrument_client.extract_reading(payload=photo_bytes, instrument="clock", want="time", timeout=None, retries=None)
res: 9:36
